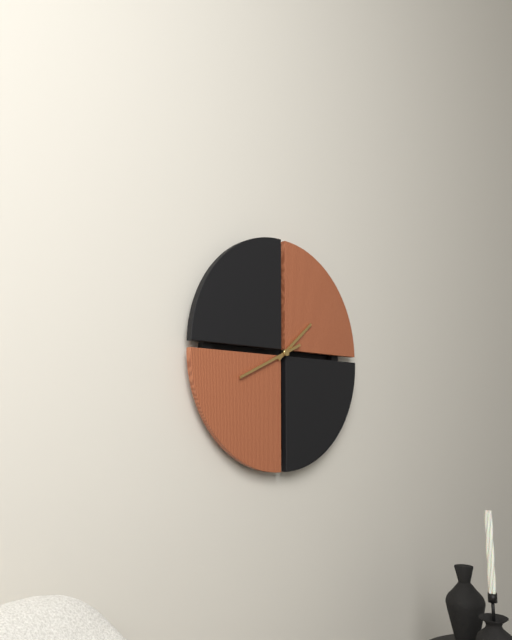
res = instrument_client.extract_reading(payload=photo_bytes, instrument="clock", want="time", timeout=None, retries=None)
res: 1:41
